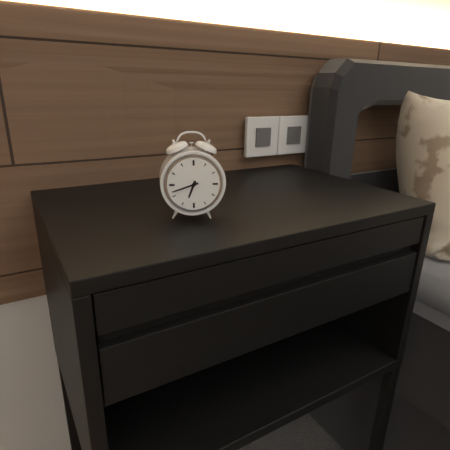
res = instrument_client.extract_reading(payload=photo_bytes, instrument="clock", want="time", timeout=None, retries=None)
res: 6:42
